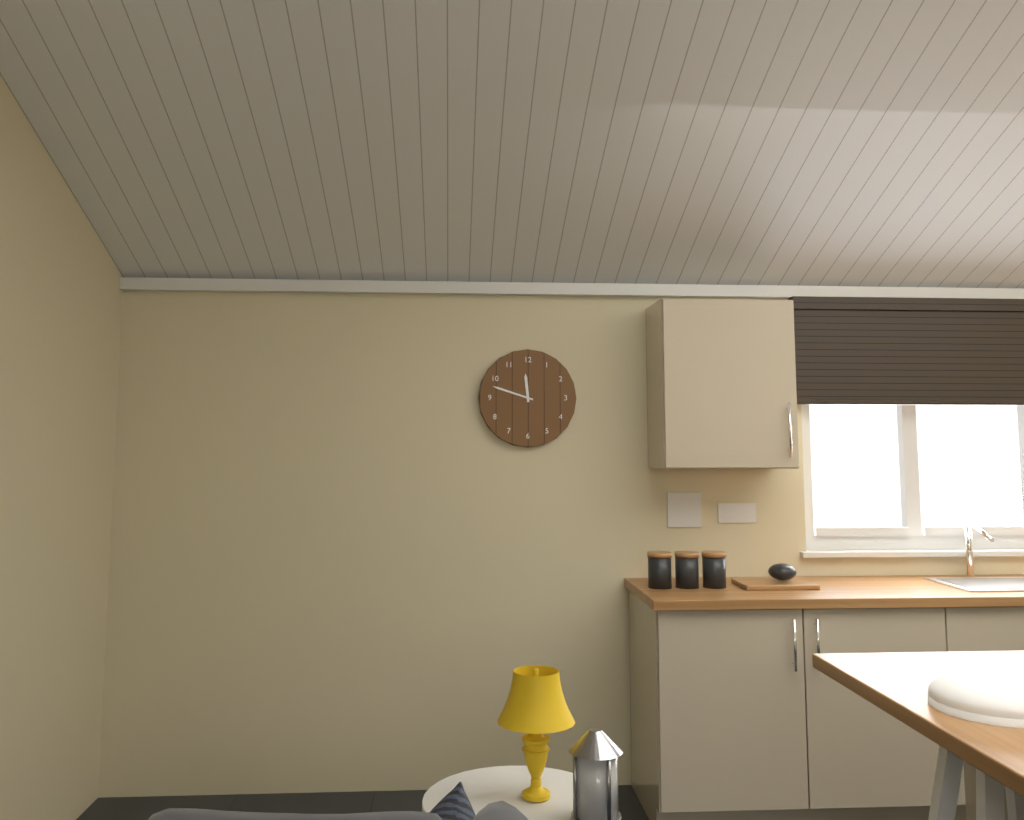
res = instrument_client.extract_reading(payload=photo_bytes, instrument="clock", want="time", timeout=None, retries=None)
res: 11:48
